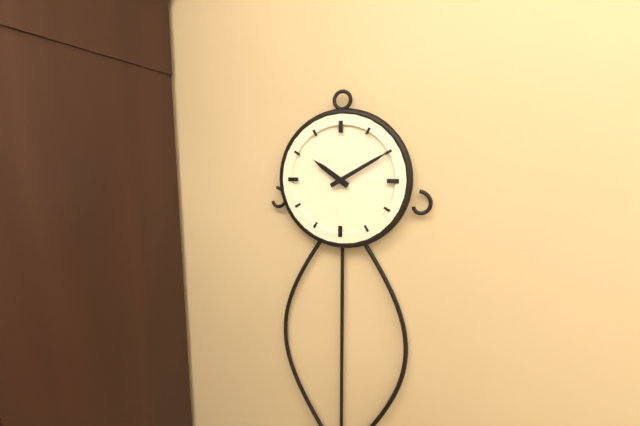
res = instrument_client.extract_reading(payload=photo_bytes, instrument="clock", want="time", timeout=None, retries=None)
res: 10:10
